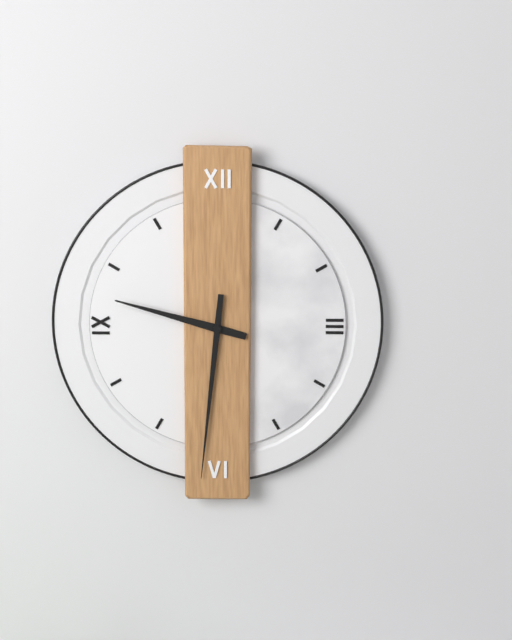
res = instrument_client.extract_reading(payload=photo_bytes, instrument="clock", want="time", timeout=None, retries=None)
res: 9:31
